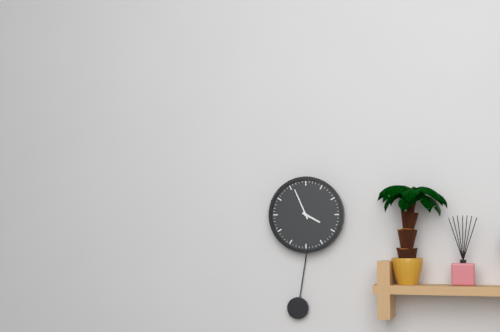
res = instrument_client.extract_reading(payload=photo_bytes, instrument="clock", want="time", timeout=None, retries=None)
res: 3:56
